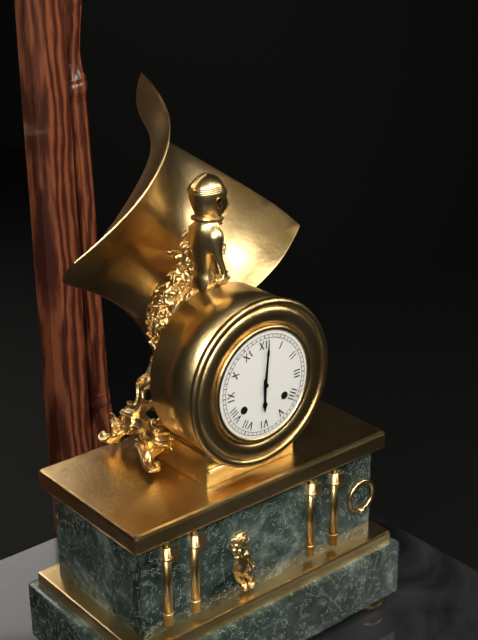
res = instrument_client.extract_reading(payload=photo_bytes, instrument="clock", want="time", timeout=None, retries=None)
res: 6:01
